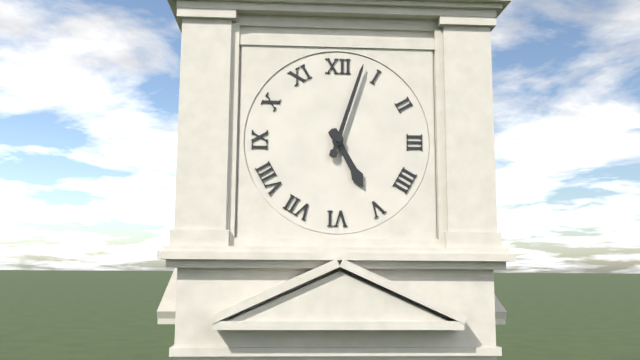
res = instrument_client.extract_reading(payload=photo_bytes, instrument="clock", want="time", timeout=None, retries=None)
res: 5:03
